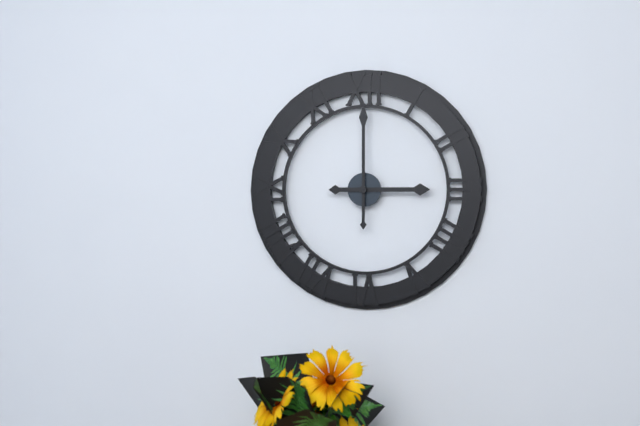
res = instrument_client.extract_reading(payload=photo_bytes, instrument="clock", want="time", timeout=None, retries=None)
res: 3:00
